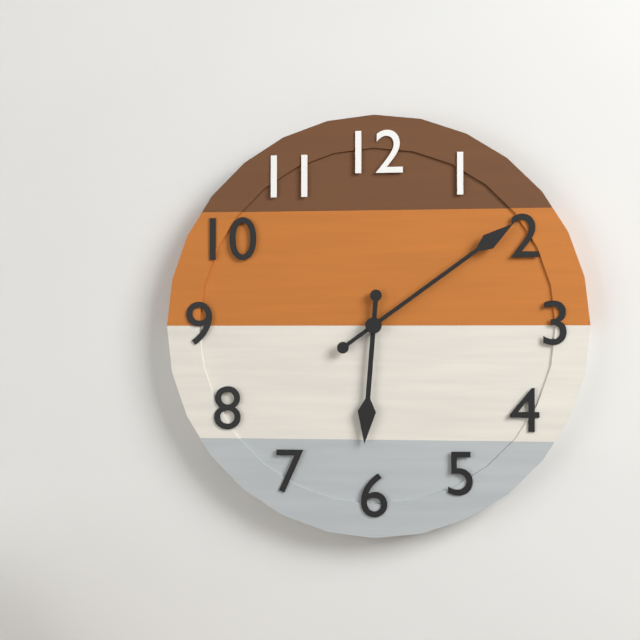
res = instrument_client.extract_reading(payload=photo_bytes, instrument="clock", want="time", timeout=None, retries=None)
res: 6:09
